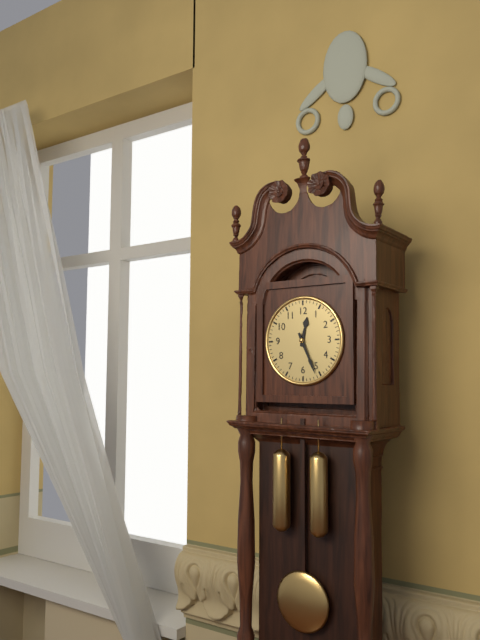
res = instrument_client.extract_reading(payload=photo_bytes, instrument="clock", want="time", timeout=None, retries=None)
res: 12:26
